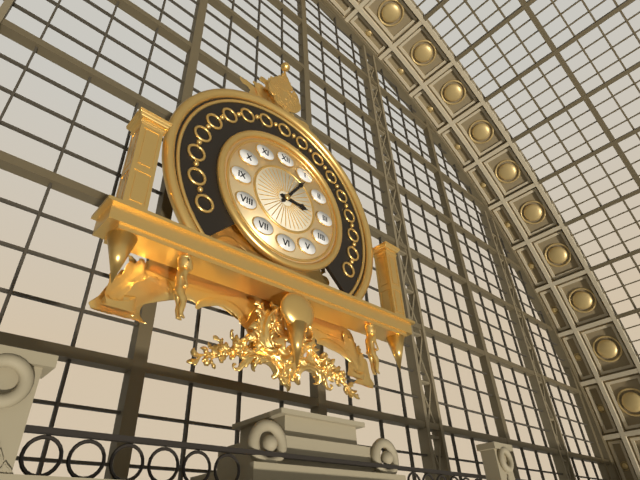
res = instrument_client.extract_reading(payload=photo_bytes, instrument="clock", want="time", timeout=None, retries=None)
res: 3:06
